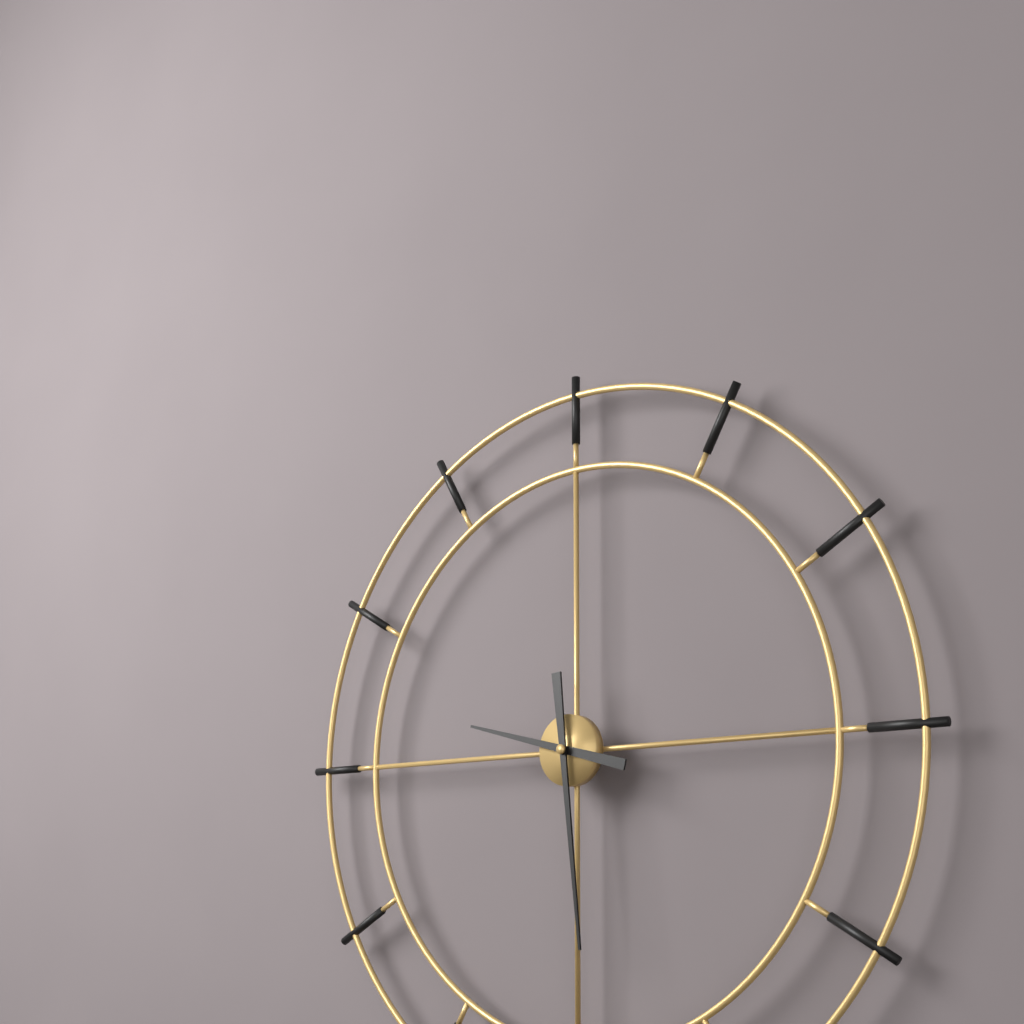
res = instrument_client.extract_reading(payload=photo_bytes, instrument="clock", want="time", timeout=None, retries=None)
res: 9:29
